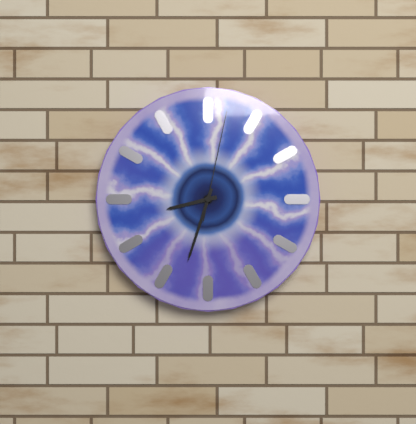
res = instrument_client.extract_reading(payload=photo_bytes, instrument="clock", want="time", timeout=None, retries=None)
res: 8:33:02
